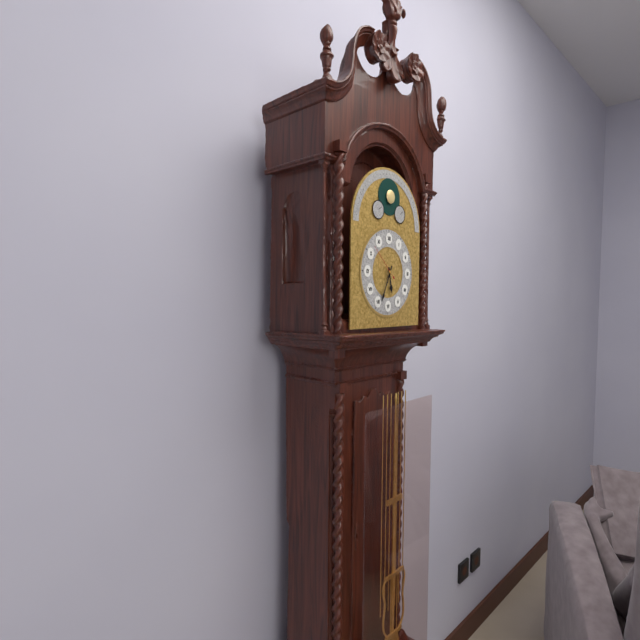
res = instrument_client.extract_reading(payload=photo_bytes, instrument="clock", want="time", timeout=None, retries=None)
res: 5:34
